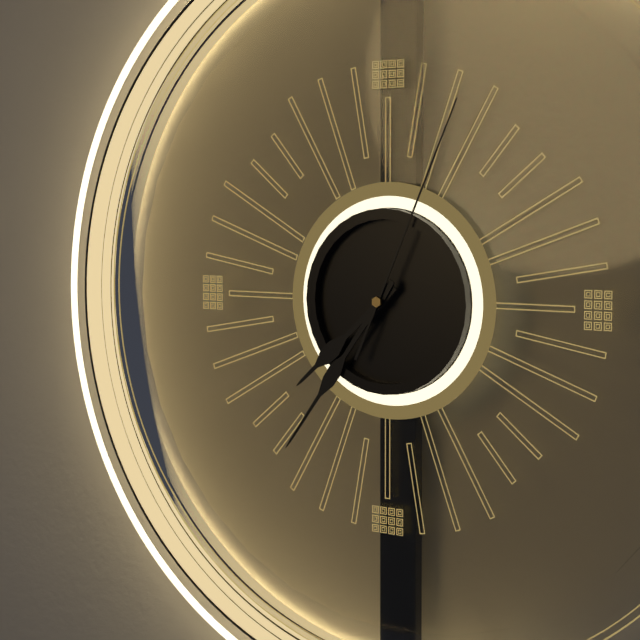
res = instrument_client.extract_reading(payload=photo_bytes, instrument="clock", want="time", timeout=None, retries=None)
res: 7:36:04
